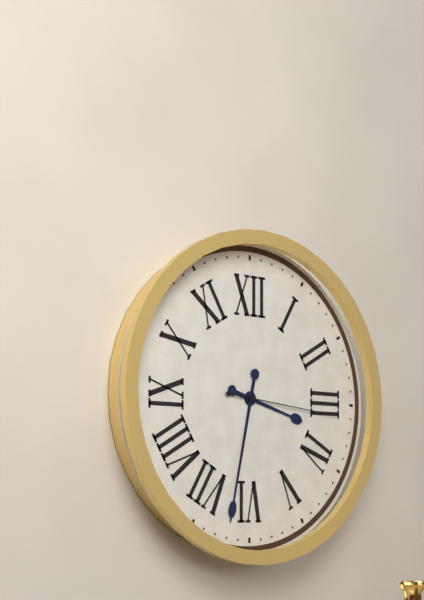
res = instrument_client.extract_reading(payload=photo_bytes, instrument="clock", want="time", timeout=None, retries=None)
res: 3:32:16
